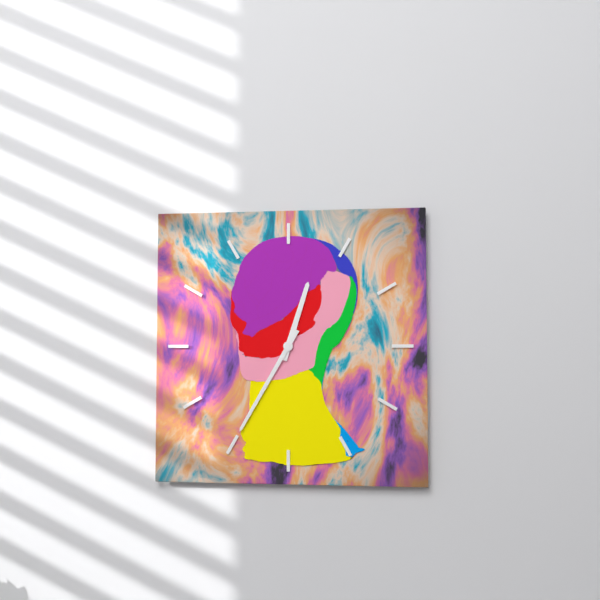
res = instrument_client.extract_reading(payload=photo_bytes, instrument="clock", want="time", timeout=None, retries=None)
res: 12:35
